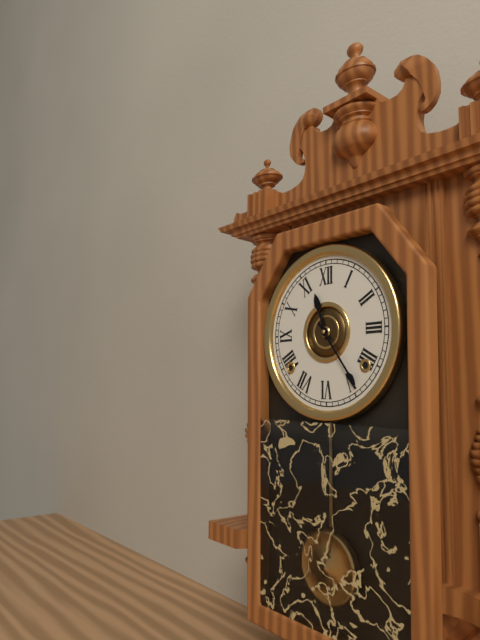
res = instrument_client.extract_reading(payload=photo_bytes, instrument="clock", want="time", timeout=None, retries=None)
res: 11:24
